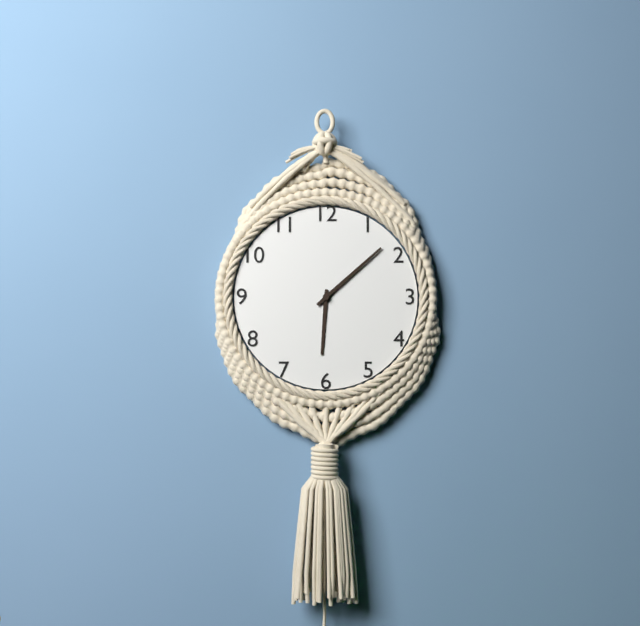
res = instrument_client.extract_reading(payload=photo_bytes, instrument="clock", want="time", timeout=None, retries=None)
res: 6:08
